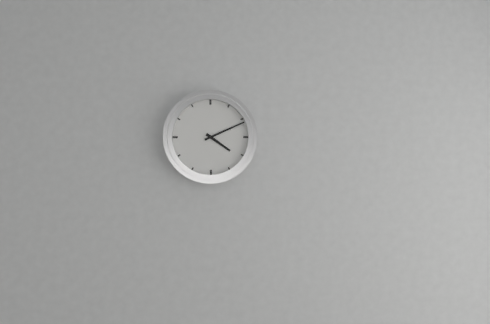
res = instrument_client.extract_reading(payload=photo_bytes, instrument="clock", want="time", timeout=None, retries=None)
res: 4:11
